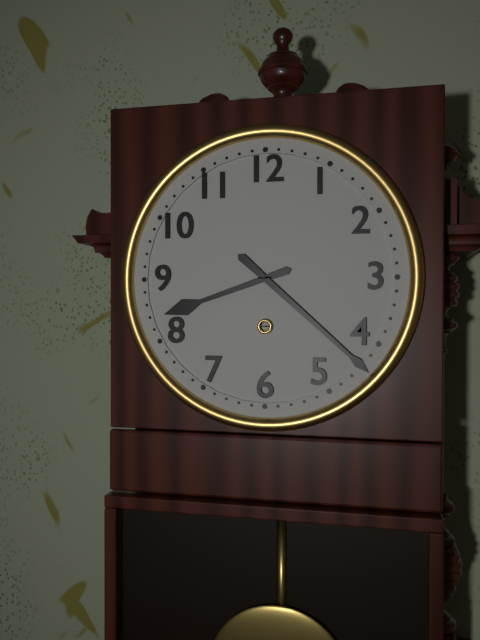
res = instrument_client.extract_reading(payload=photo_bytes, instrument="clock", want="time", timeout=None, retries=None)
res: 8:22
